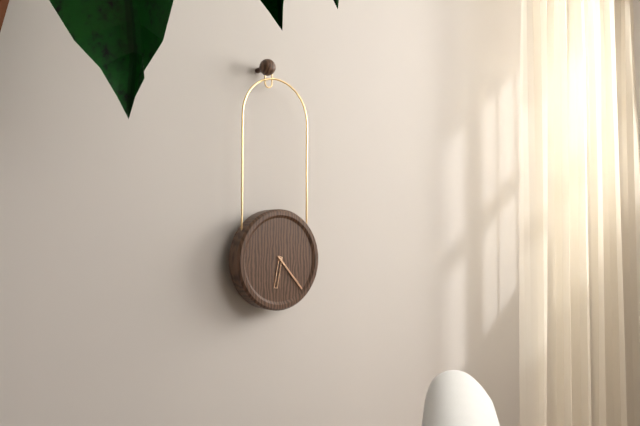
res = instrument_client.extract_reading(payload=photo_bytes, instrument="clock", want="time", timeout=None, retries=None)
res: 6:23
